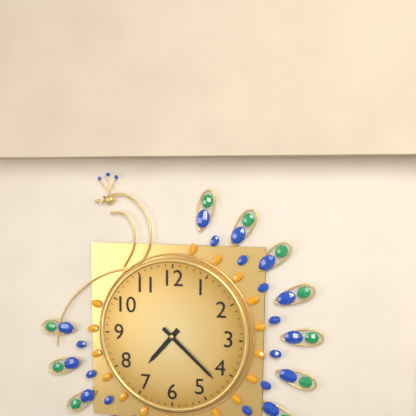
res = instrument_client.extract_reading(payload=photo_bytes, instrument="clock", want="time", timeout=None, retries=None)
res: 7:22
